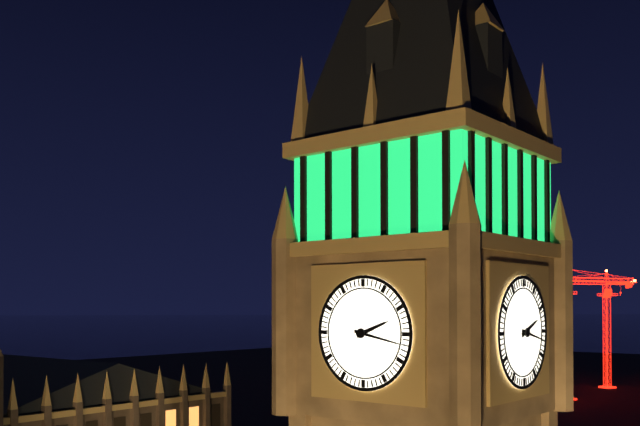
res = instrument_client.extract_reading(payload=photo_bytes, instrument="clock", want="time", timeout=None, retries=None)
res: 2:17
